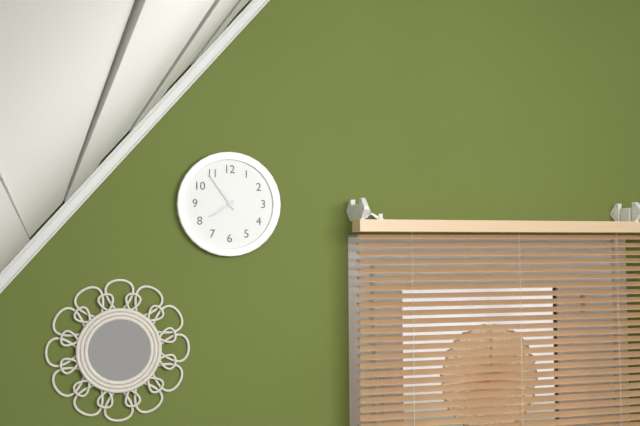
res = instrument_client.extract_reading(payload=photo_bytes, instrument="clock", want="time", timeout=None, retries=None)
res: 7:54
